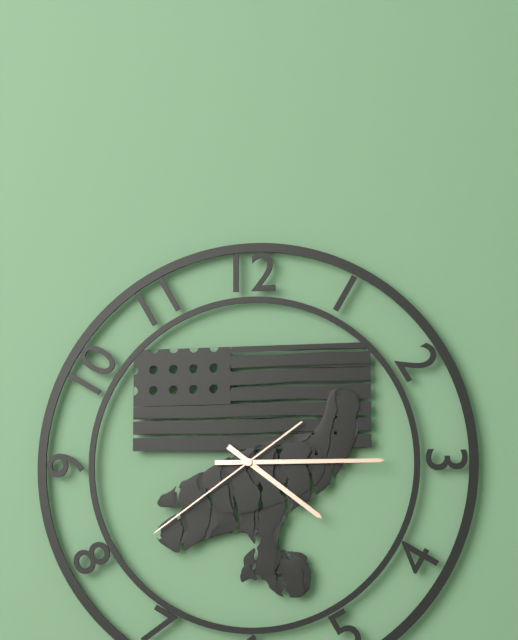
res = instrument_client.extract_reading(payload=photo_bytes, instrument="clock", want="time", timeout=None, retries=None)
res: 4:15:39
